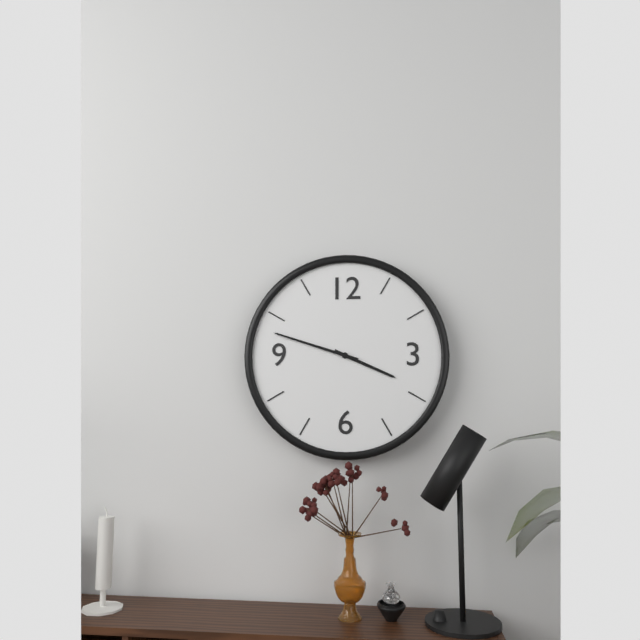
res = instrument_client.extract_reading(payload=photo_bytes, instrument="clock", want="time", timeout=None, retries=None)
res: 3:48
